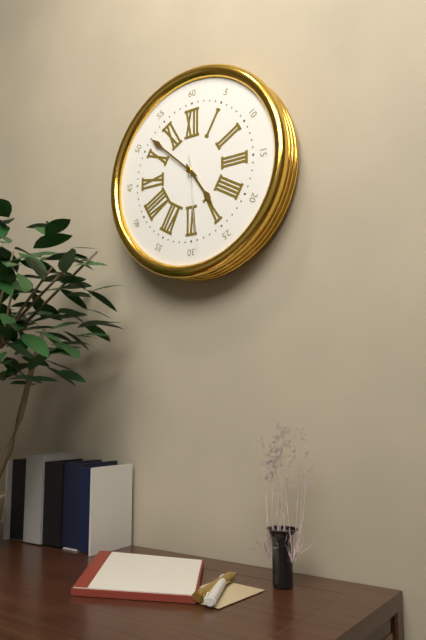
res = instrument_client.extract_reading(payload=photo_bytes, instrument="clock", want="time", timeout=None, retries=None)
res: 4:52:29
